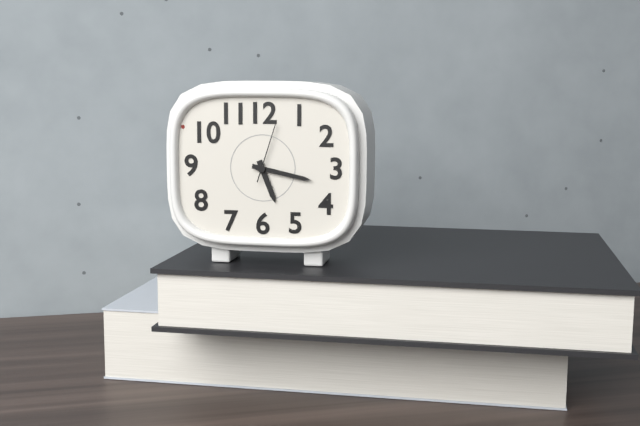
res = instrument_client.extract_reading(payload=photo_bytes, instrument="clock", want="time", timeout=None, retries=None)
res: 5:17:03
